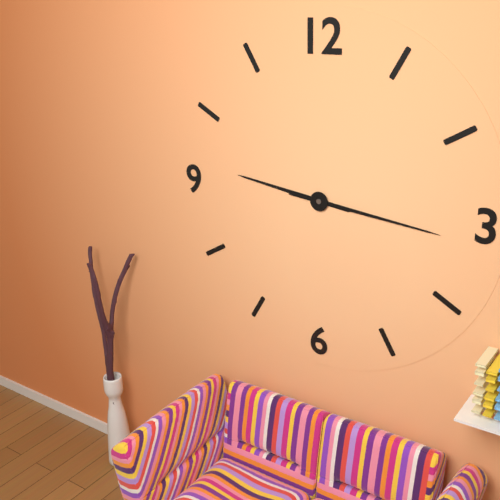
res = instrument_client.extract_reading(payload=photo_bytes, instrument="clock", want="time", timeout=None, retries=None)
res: 9:16
